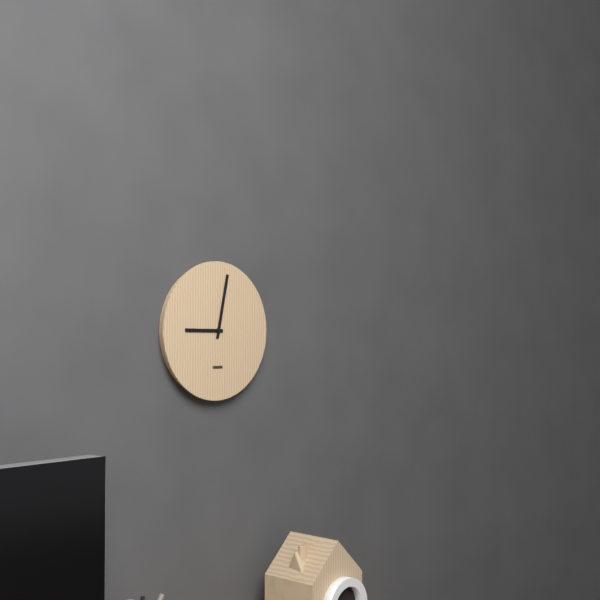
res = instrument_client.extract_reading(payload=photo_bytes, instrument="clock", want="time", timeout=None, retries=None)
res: 9:02
